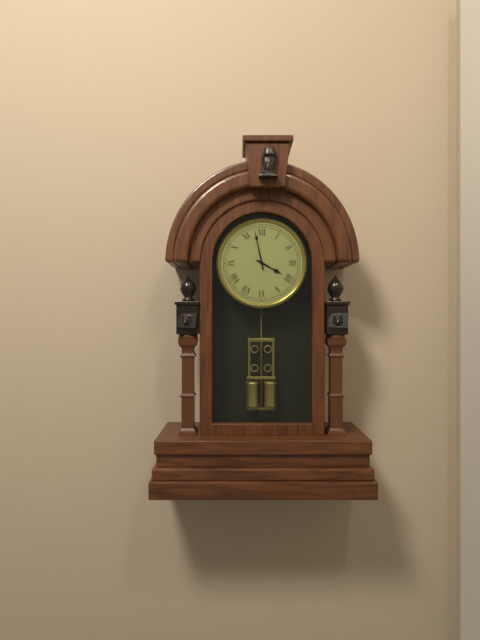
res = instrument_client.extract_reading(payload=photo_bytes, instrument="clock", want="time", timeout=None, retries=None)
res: 3:58
